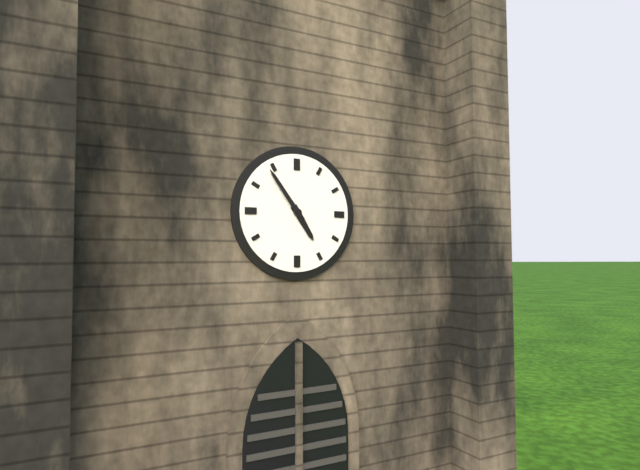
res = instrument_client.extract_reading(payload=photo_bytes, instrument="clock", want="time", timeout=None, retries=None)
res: 4:54
